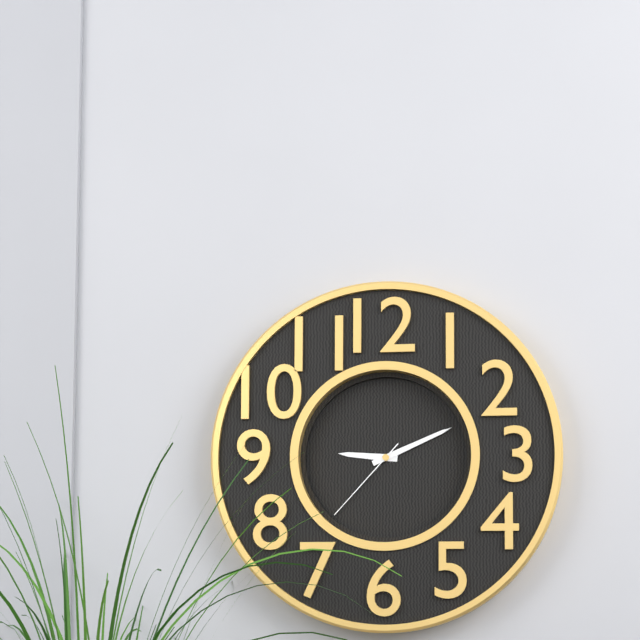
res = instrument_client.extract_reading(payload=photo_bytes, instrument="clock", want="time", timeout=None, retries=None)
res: 9:11:37
